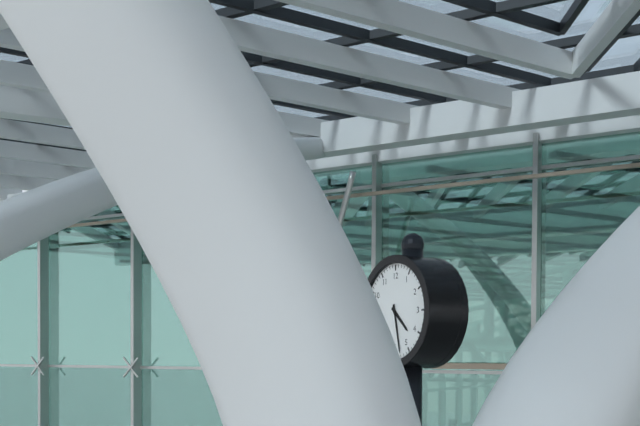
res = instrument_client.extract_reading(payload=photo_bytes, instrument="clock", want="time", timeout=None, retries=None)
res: 4:28
